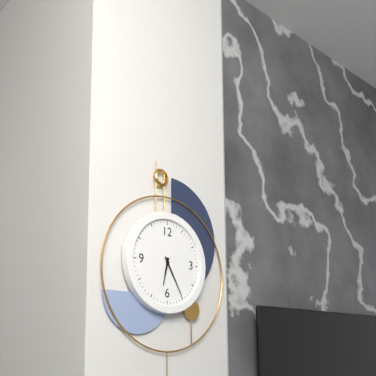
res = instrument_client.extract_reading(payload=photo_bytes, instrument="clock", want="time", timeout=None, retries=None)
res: 6:25
